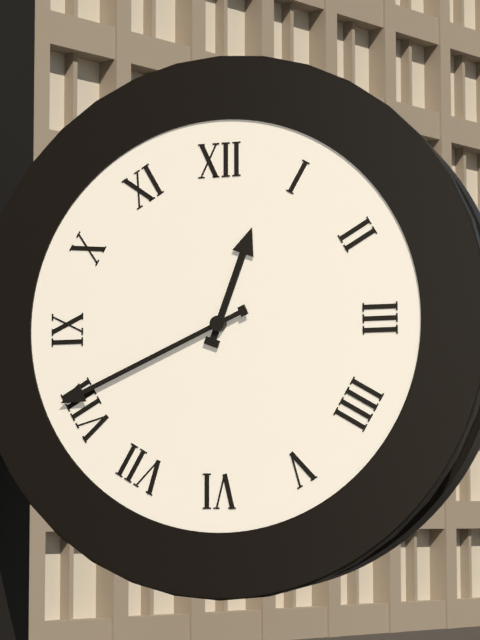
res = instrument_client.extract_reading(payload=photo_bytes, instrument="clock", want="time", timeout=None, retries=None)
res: 12:41
